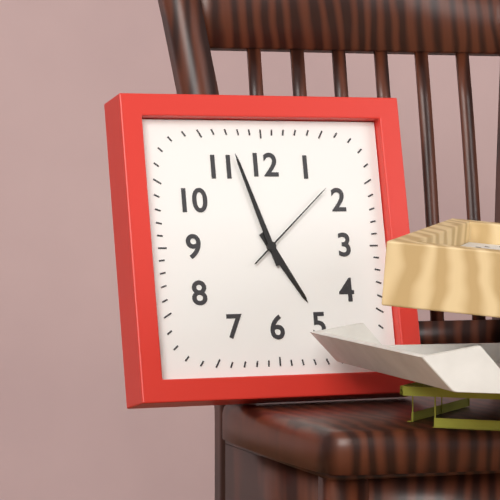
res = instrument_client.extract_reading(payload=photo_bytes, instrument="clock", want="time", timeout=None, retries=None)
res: 4:57:08
